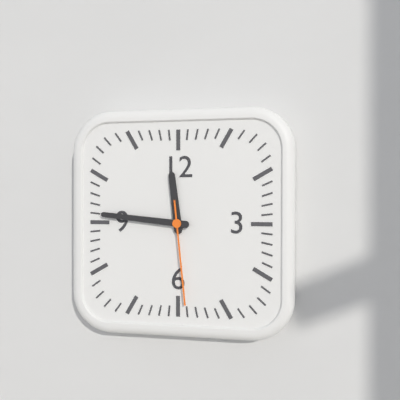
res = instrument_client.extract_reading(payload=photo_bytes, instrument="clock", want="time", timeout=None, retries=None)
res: 11:46:29
